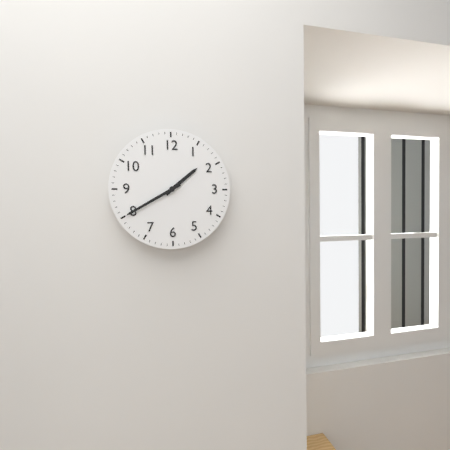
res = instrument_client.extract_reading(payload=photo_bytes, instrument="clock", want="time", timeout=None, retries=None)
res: 1:40
